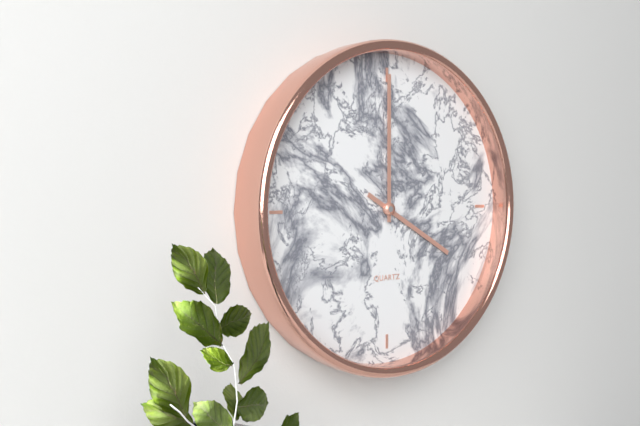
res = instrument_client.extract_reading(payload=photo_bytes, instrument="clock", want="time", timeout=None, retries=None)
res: 4:00
